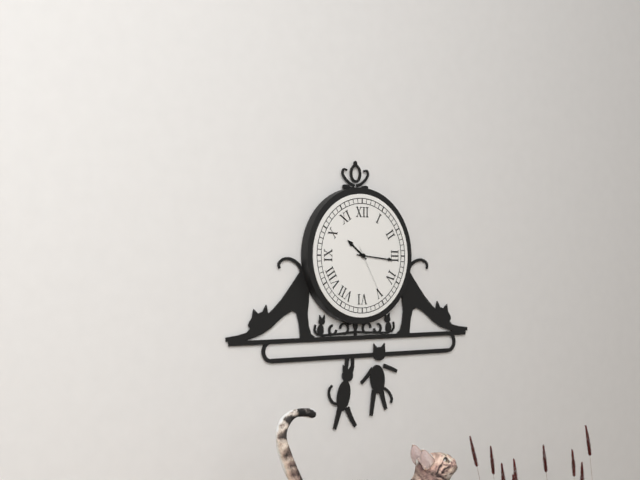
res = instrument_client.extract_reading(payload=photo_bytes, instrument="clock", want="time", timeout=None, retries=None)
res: 10:16
